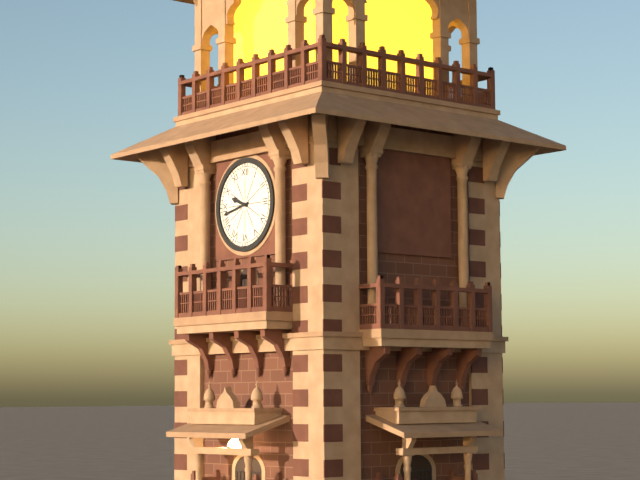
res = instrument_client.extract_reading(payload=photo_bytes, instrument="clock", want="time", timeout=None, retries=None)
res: 9:43
